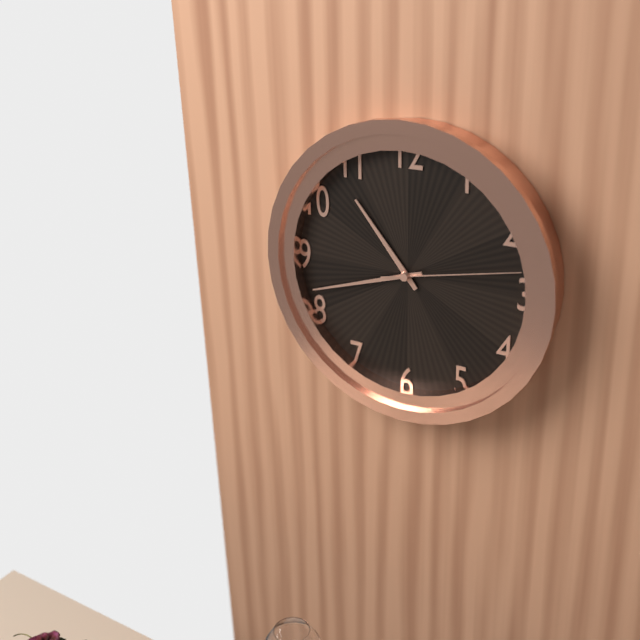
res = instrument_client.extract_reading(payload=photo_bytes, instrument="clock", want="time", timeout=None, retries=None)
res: 10:42:13
